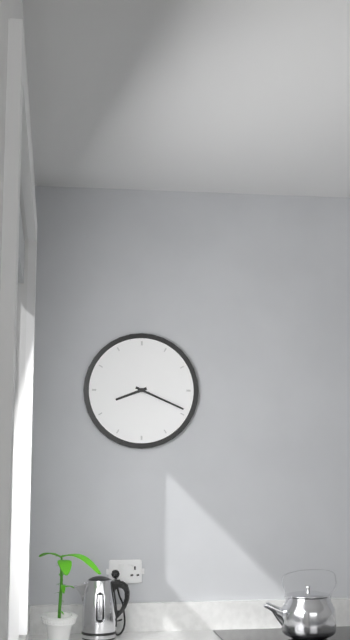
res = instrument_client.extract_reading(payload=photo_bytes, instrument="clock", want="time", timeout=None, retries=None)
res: 8:19
